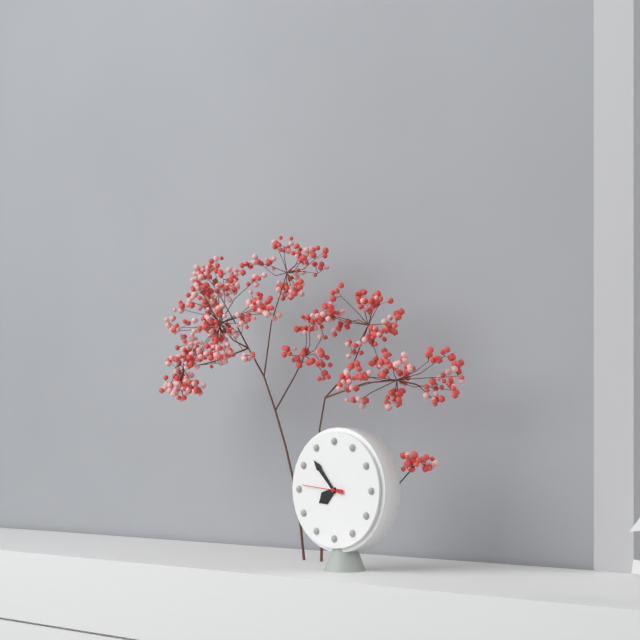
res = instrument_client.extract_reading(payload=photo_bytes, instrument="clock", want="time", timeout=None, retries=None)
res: 7:53
